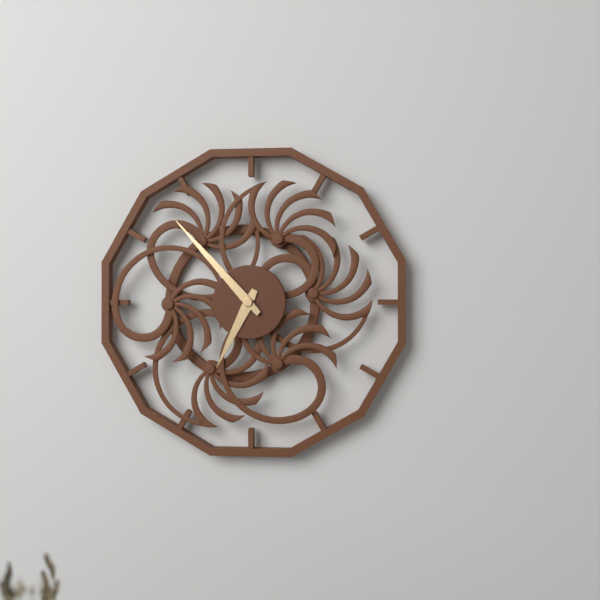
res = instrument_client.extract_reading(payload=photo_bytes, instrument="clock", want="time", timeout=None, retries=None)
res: 6:53
